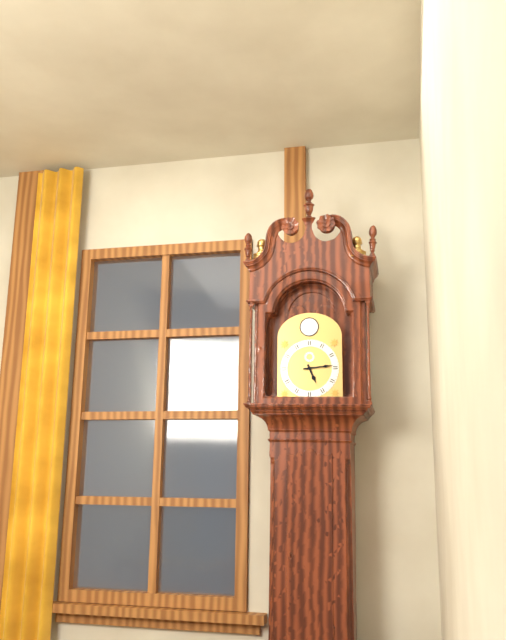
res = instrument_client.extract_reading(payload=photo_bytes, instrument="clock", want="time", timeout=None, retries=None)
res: 5:14
